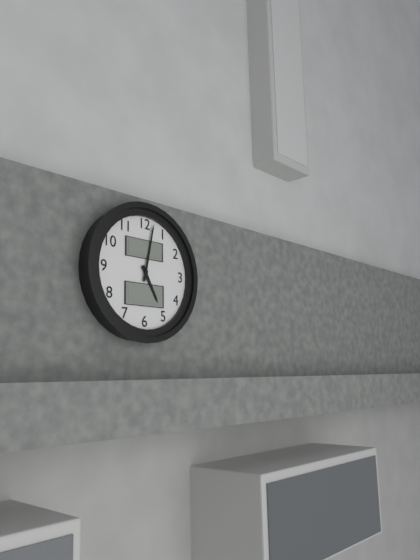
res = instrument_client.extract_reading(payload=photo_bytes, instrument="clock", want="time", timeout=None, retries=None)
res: 5:02
